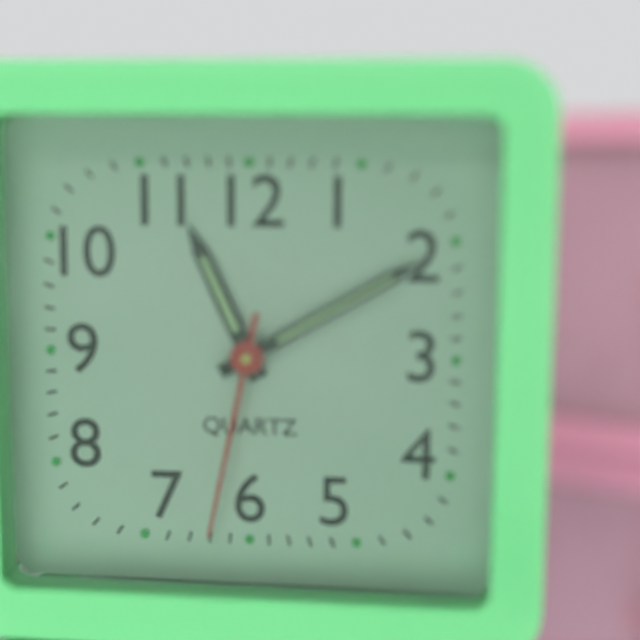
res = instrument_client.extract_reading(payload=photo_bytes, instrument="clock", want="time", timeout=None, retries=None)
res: 11:10:32
